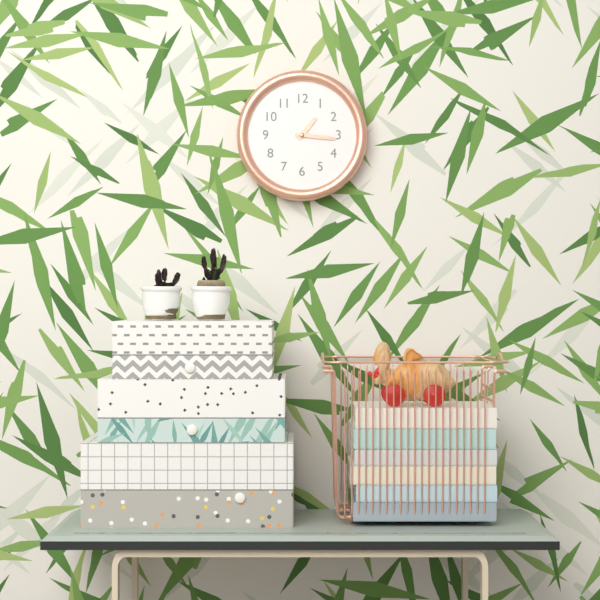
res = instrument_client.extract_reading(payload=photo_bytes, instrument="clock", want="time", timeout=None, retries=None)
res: 1:16
